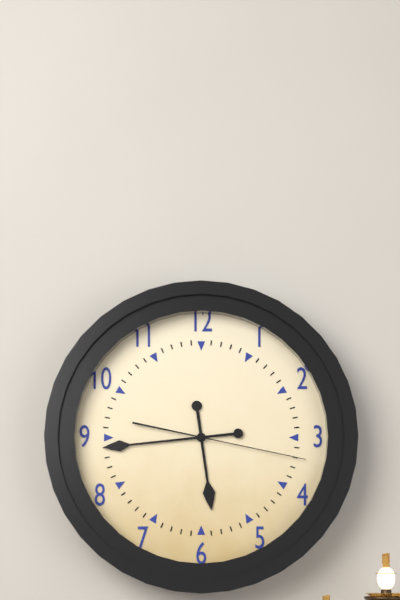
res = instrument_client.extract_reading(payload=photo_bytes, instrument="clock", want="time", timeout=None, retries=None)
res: 5:44:17
